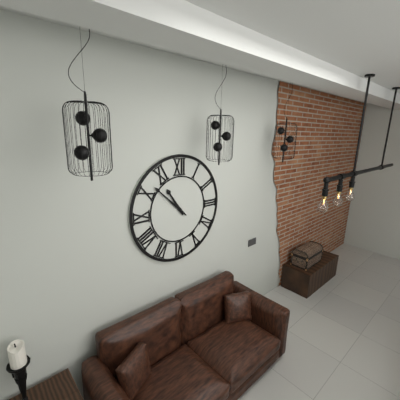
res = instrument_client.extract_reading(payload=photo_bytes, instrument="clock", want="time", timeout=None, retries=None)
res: 10:52
